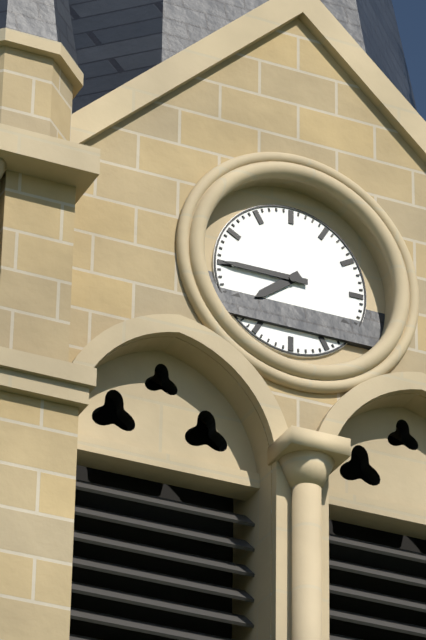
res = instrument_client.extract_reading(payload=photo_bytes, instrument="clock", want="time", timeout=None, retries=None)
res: 7:45
